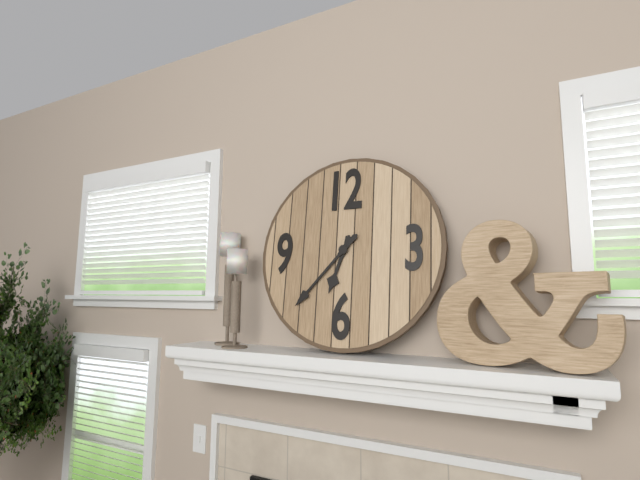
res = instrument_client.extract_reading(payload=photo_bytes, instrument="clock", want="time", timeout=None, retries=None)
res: 6:37
